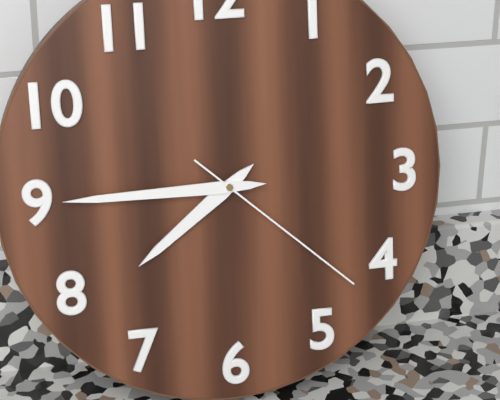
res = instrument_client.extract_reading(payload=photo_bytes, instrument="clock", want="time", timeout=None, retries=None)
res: 7:45:22
